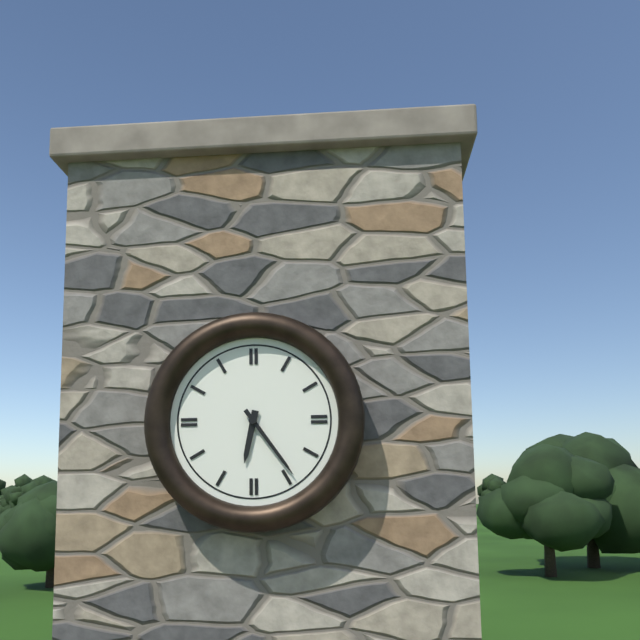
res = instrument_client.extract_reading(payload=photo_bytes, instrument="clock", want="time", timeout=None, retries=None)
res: 6:24
